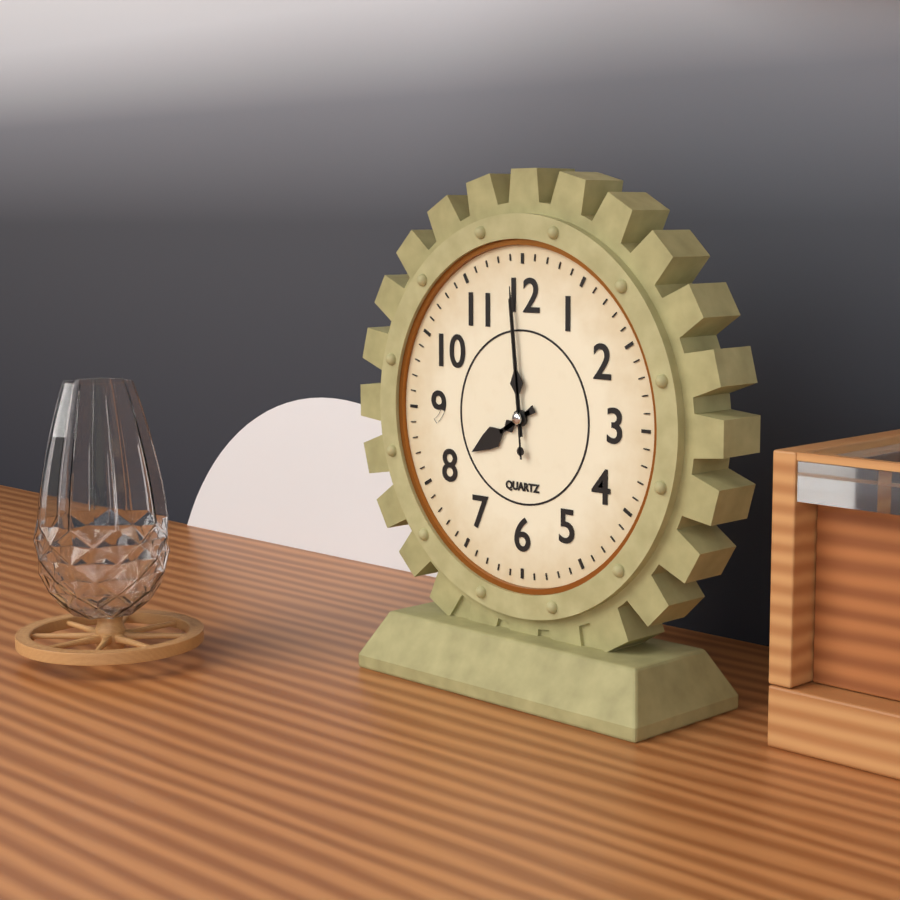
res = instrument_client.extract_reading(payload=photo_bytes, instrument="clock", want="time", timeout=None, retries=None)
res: 7:59:59
